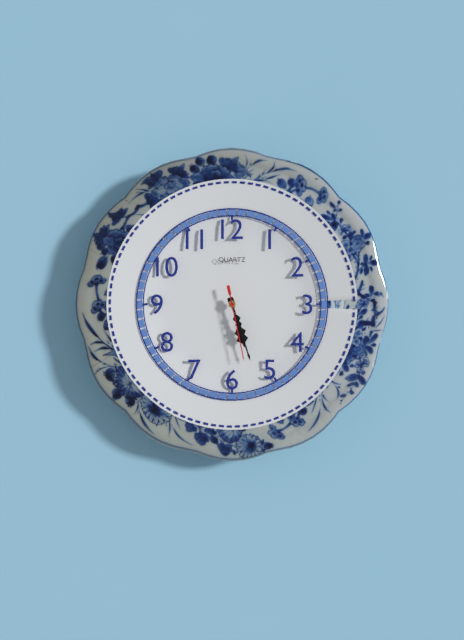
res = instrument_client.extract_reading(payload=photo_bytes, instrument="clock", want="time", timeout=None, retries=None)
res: 5:27:28
